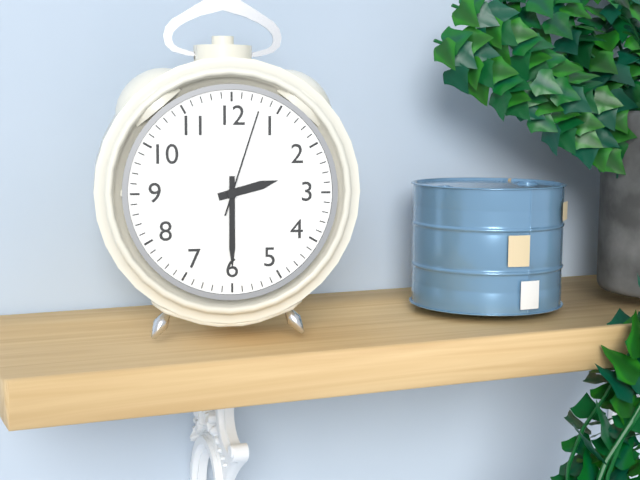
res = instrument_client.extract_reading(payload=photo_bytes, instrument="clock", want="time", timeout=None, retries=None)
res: 2:30:03
